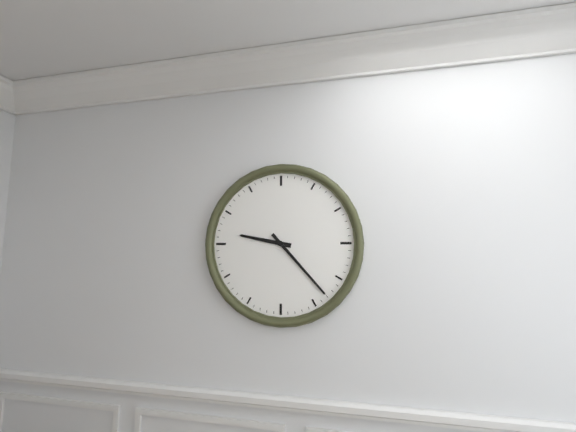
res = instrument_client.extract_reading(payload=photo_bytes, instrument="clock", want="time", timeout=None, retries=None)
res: 9:23
